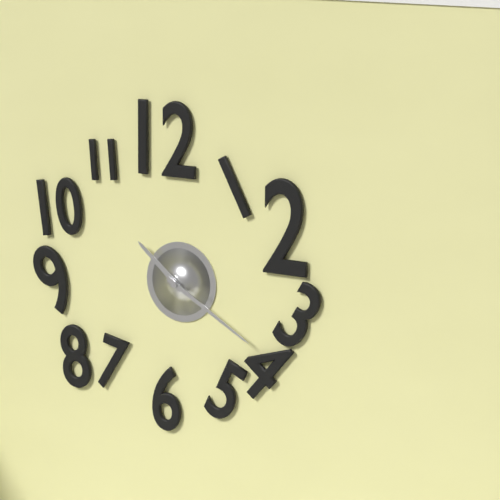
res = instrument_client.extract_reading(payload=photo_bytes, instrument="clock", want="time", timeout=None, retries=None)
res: 10:20
